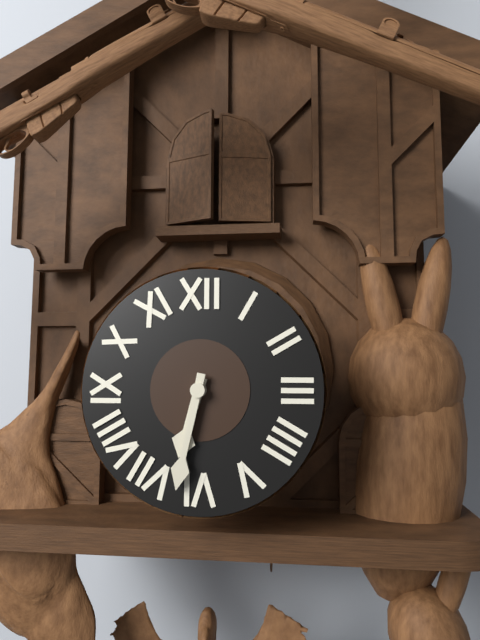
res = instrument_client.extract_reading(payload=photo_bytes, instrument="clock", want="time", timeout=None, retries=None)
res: 6:32
